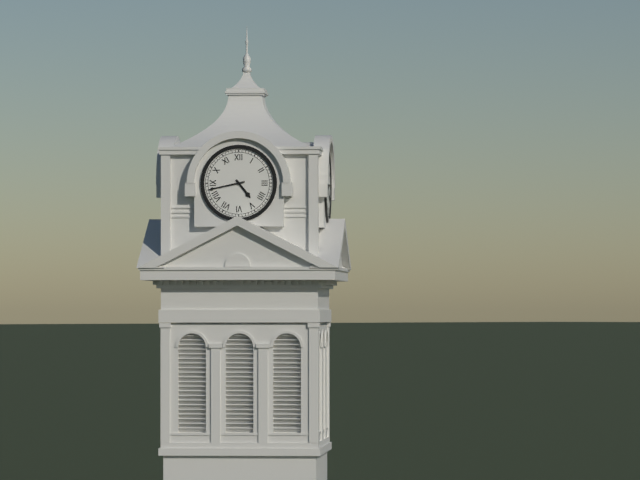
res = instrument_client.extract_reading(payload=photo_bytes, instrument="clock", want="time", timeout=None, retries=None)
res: 4:43
